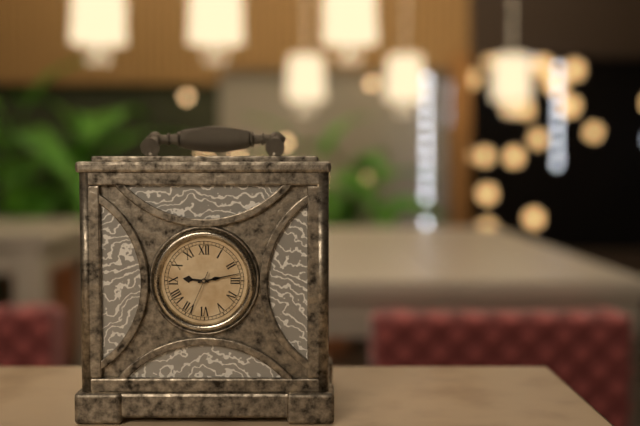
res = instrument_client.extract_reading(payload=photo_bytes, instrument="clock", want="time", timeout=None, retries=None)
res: 9:13
